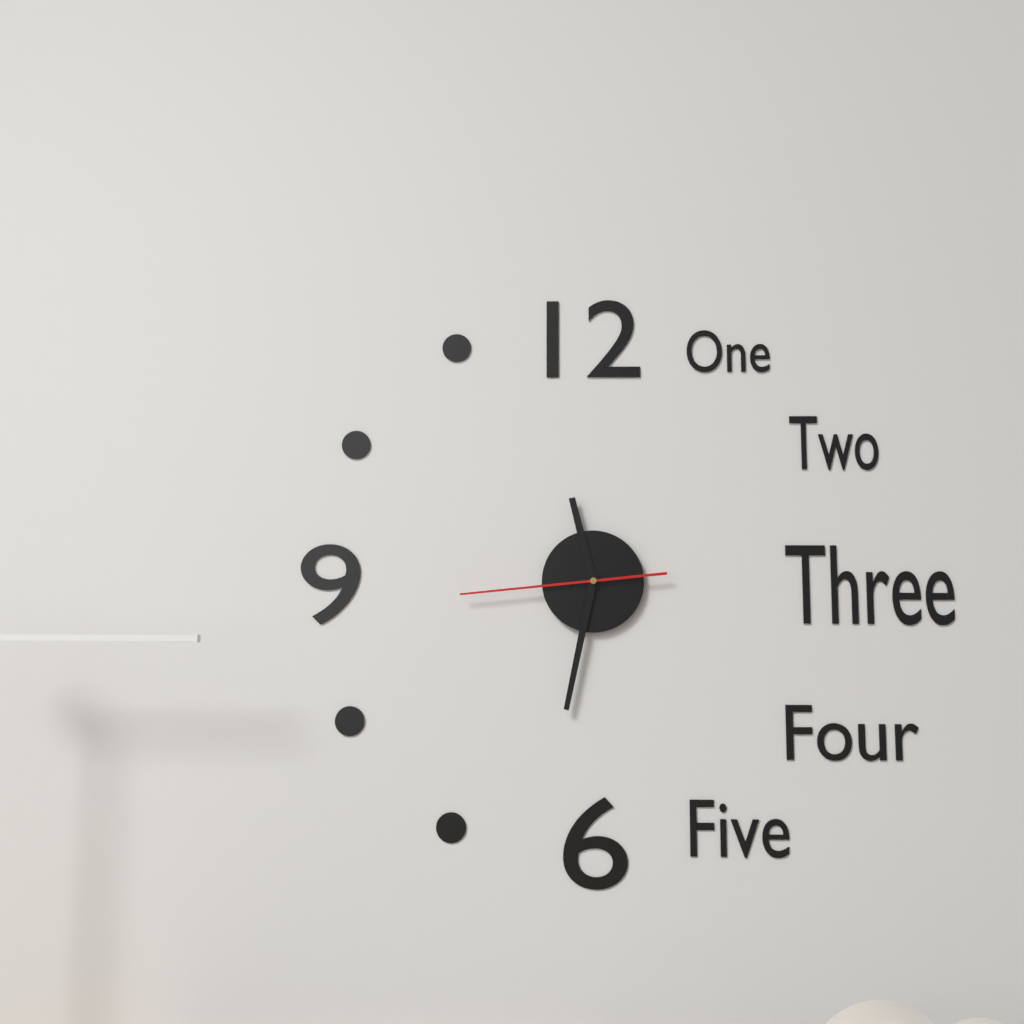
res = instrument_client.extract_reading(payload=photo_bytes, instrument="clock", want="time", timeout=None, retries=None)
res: 11:32:44
